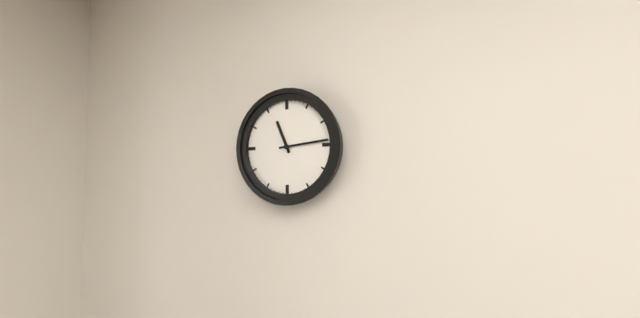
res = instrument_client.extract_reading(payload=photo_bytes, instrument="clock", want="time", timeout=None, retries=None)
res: 11:14
